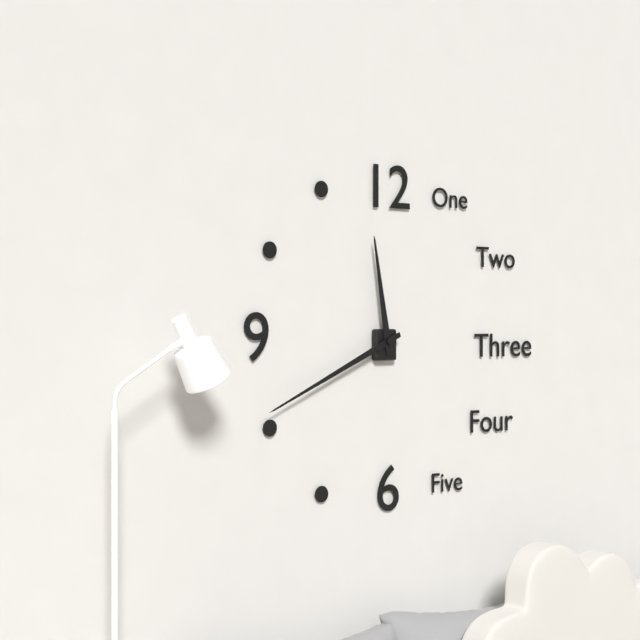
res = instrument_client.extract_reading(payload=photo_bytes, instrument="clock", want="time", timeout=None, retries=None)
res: 11:41
